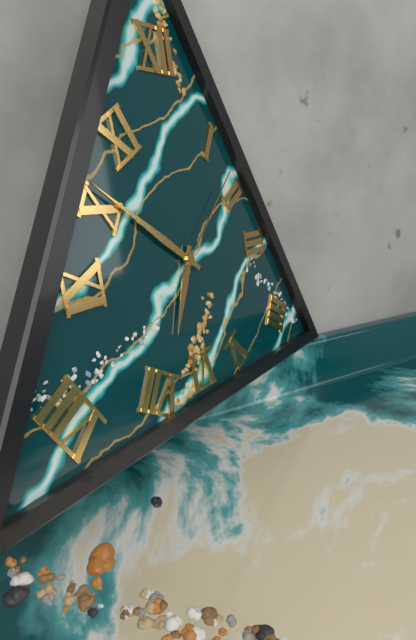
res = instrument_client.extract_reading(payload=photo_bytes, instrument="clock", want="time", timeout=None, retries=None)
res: 6:51:08
